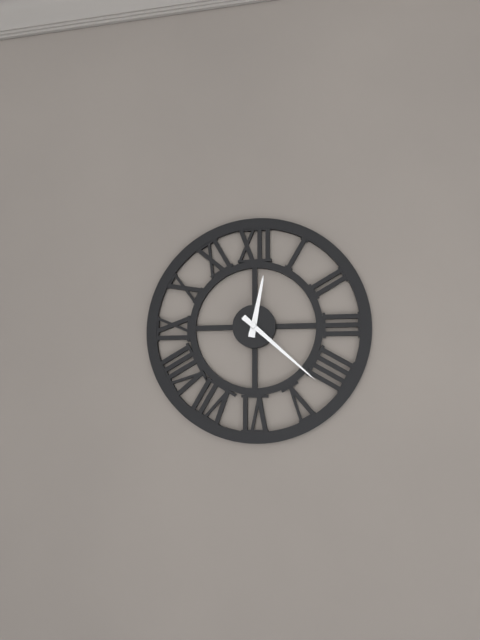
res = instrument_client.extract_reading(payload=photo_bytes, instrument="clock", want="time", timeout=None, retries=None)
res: 12:22
